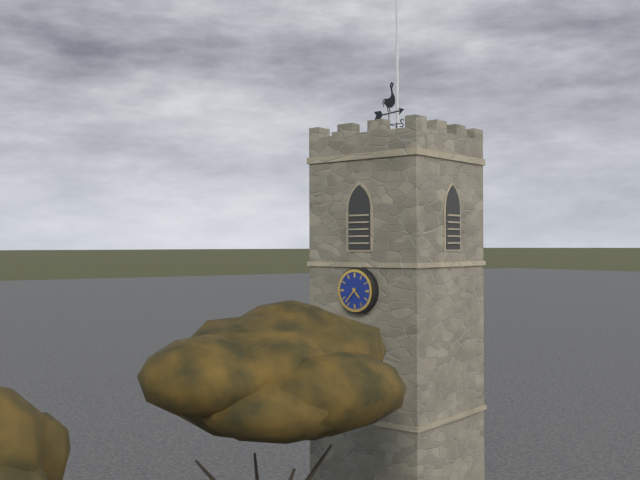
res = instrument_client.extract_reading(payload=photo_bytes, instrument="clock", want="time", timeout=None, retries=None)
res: 4:37
